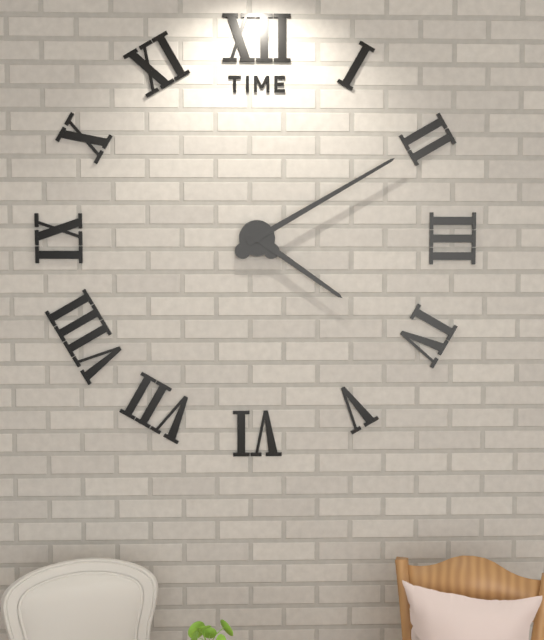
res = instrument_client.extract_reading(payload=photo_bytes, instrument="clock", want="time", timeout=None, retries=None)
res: 4:10
